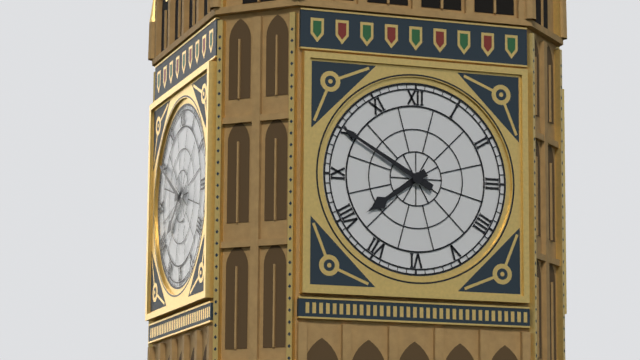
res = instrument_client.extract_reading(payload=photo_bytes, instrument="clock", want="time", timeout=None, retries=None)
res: 7:50
